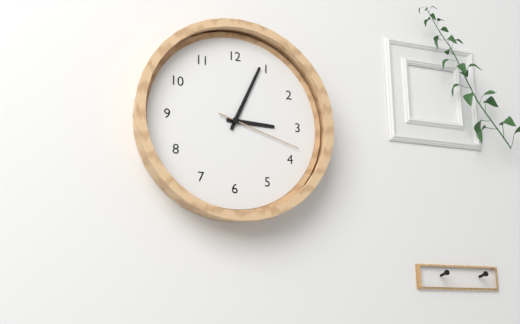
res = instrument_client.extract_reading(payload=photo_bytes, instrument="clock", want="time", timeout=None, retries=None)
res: 3:04:18
